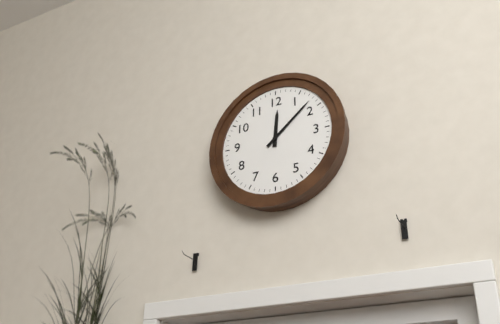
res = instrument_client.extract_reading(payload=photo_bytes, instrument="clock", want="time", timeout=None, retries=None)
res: 12:08
